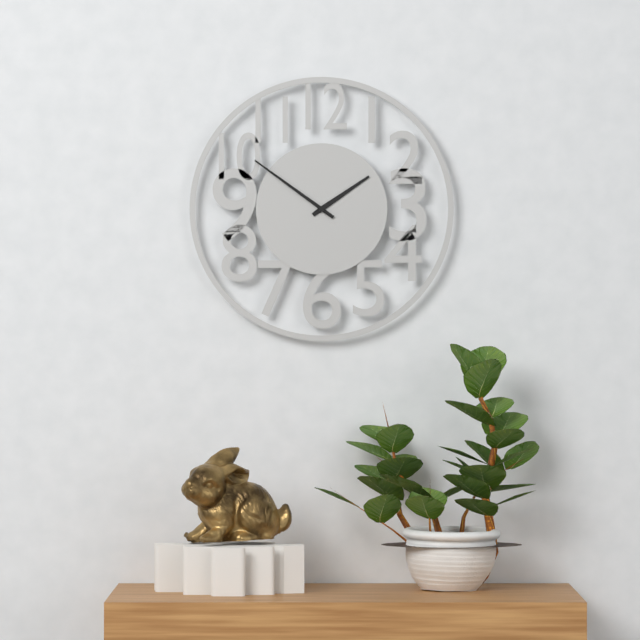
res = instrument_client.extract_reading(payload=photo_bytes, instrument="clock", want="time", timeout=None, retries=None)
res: 1:51
